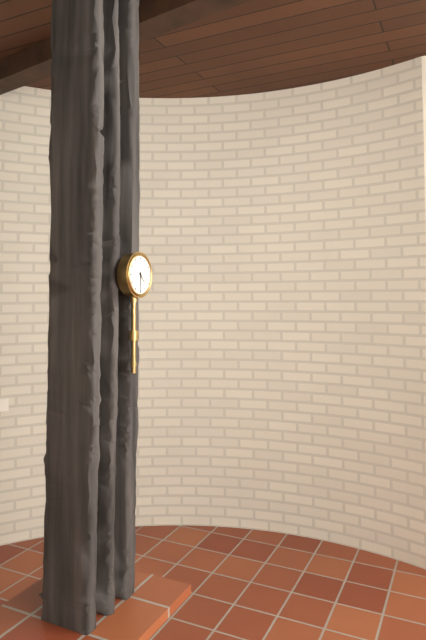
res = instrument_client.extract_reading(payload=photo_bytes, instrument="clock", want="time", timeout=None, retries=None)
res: 4:30
